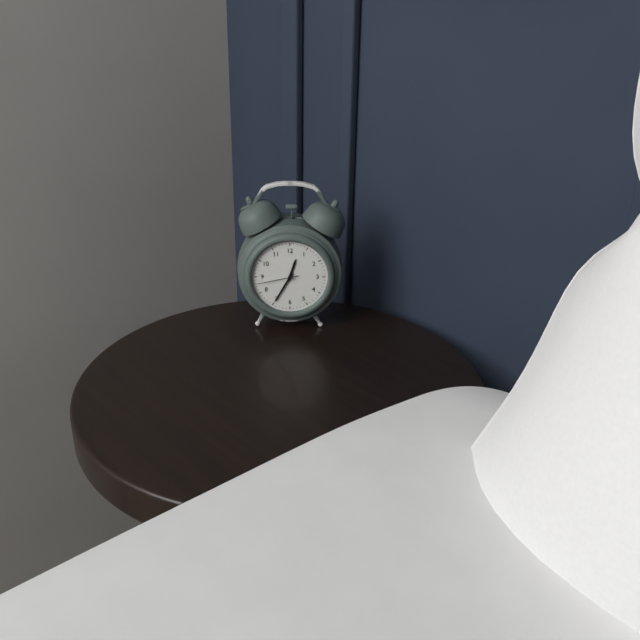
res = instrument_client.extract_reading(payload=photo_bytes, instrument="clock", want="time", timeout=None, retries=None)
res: 12:35
